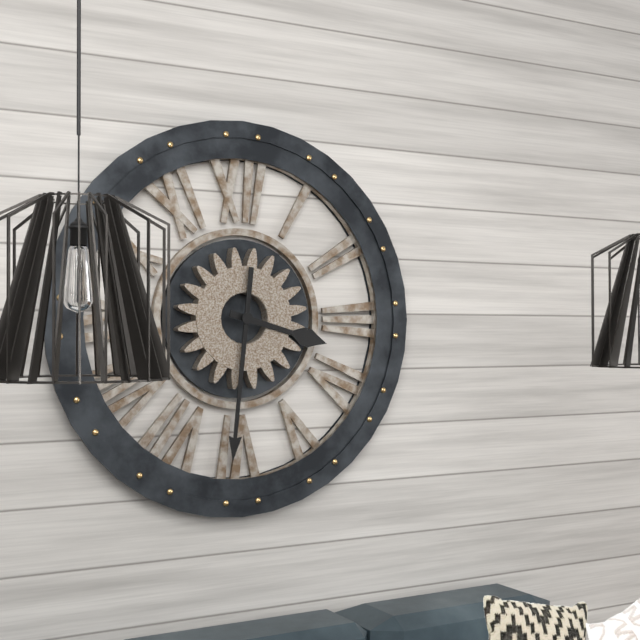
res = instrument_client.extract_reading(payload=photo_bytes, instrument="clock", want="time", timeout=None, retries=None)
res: 3:31
